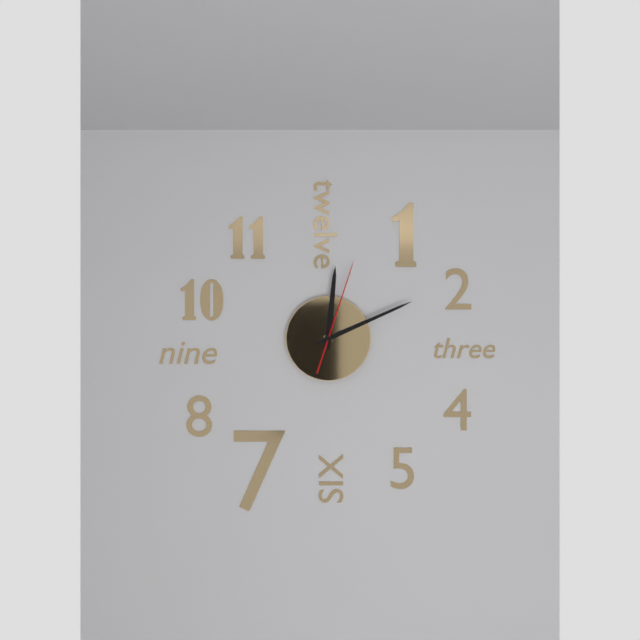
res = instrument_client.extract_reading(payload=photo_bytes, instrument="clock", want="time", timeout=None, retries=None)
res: 12:11:03
